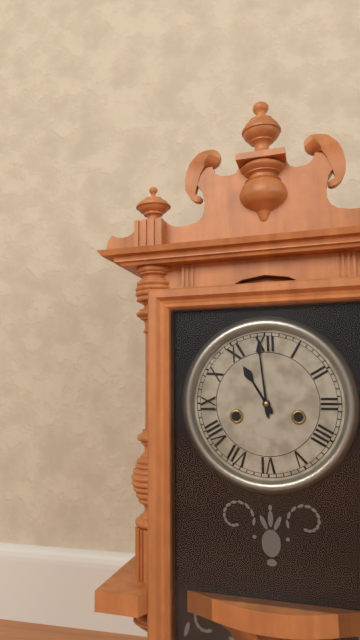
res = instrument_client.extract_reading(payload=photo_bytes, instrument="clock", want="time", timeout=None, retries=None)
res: 10:59
